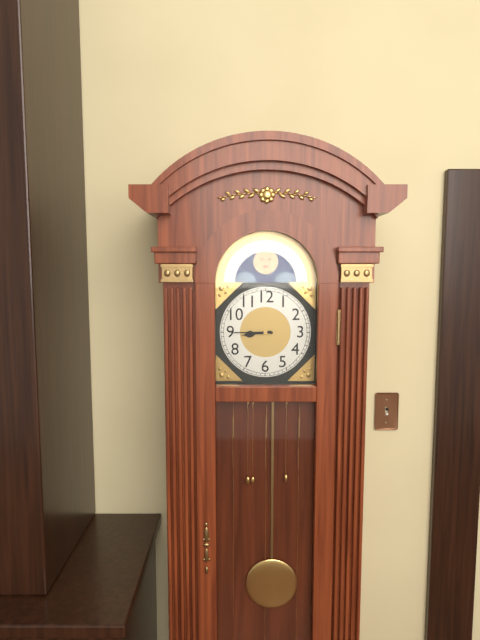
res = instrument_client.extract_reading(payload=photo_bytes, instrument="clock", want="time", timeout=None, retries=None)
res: 8:45
